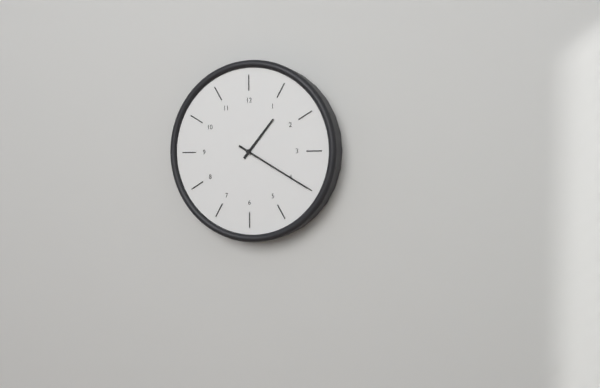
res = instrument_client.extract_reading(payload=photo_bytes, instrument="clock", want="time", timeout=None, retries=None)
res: 1:20
